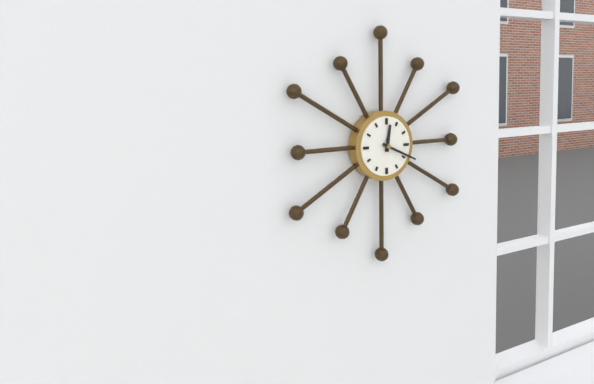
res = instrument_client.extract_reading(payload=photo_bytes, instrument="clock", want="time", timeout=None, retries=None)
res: 12:19
